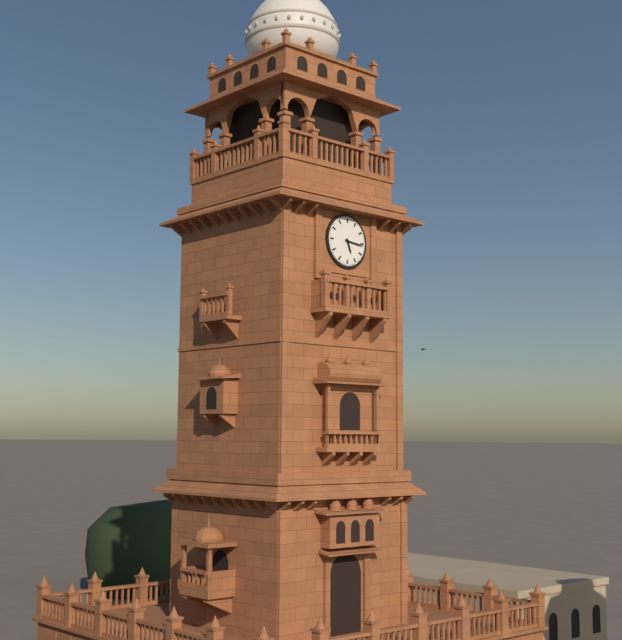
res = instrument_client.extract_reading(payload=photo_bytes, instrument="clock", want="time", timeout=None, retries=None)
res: 5:16
